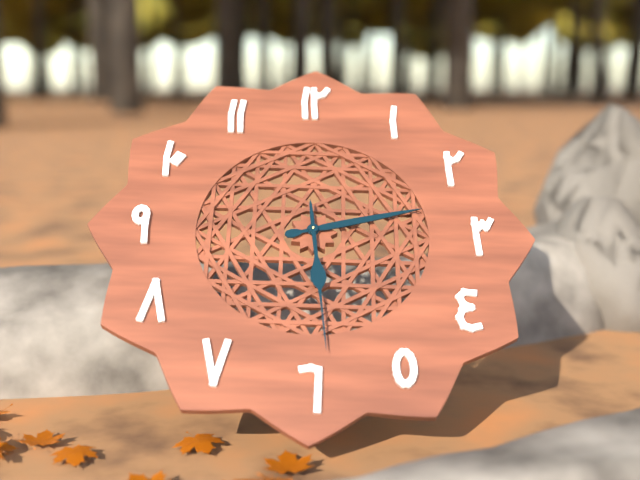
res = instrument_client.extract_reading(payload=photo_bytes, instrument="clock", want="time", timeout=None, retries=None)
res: 2:29
